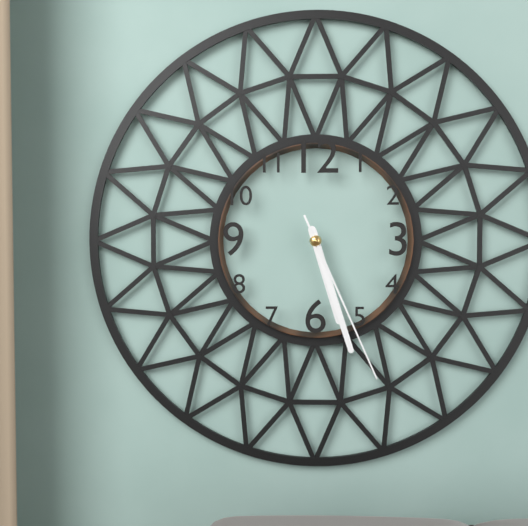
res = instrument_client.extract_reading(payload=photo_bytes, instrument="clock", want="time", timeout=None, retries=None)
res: 5:27:26
